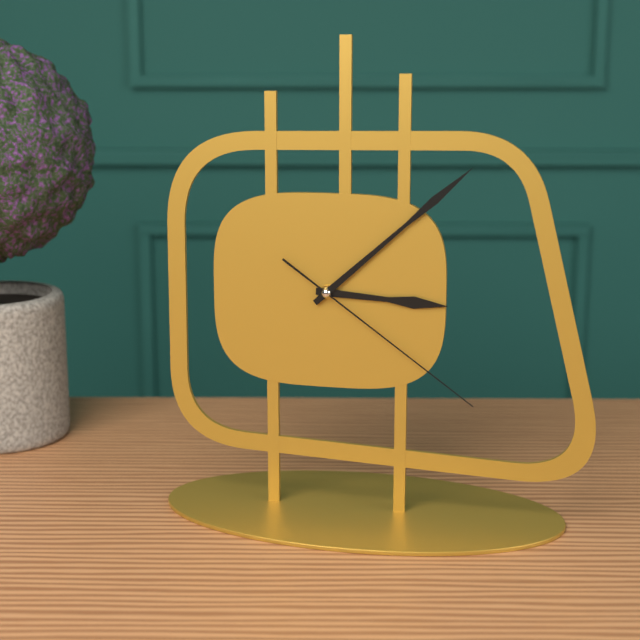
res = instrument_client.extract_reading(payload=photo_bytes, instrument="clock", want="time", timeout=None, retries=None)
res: 3:08:21
